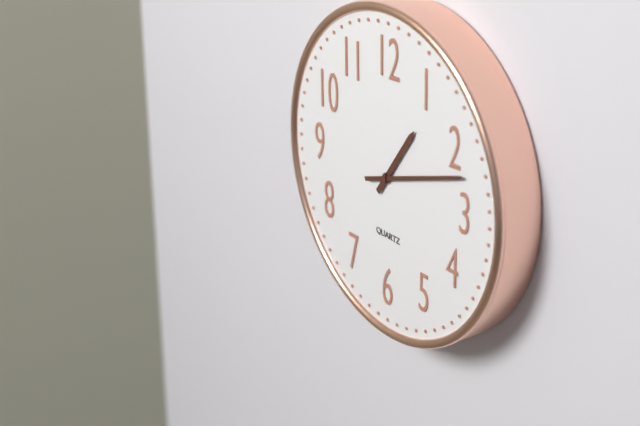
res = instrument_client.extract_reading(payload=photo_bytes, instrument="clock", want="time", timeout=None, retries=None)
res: 1:12
